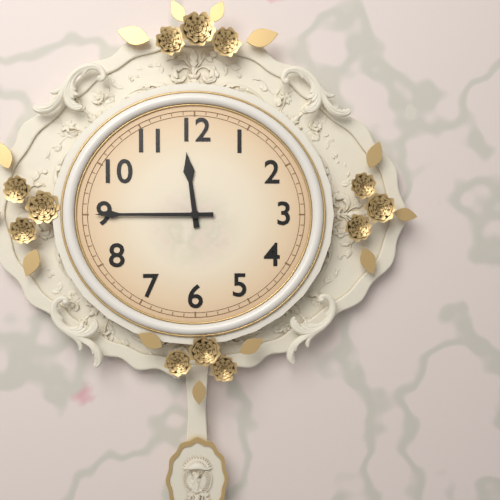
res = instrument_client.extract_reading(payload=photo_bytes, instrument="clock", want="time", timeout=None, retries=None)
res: 11:45
